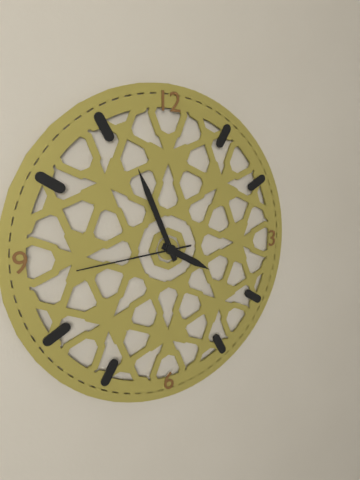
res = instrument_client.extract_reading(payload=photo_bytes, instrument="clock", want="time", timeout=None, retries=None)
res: 3:56:44
